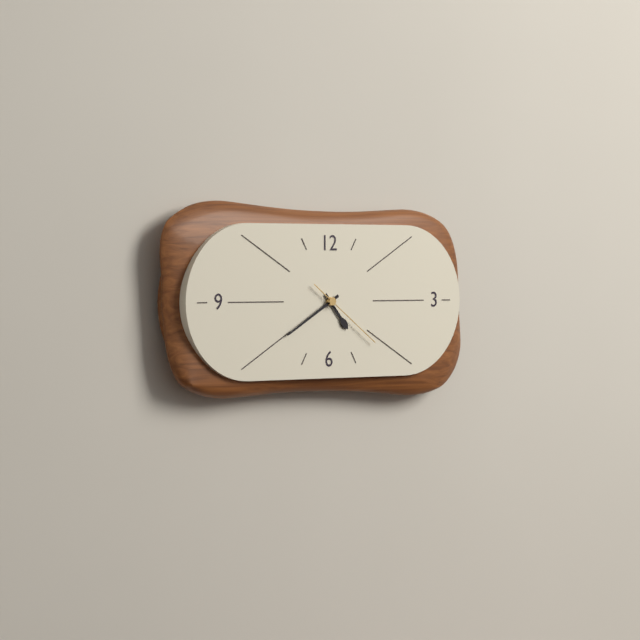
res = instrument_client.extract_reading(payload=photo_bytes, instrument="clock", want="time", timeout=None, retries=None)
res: 4:40:21
